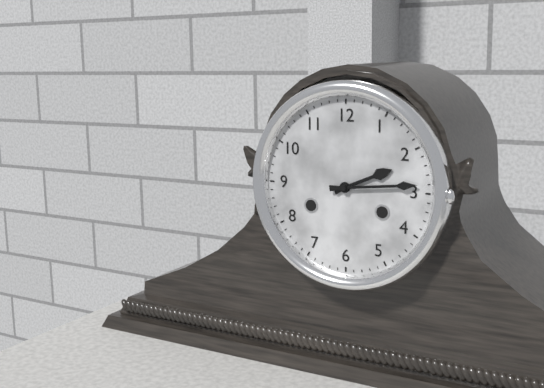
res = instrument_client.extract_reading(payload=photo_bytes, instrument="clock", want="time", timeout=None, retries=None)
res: 2:14
